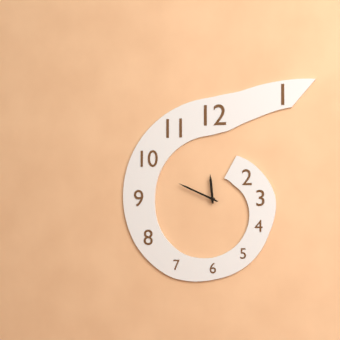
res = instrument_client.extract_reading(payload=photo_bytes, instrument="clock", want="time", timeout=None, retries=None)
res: 11:49
